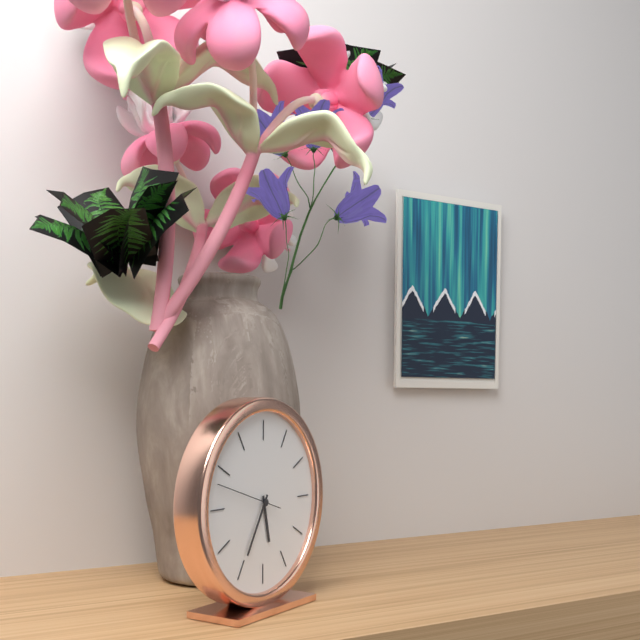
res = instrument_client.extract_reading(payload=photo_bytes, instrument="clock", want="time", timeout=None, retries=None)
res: 5:35:48
